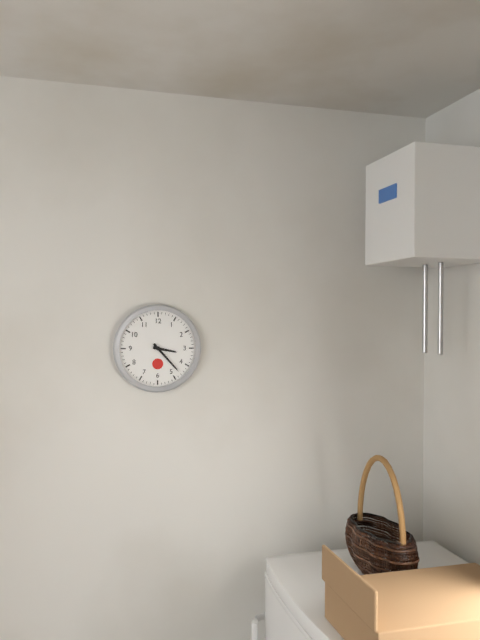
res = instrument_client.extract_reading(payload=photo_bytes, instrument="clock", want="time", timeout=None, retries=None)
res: 3:23
